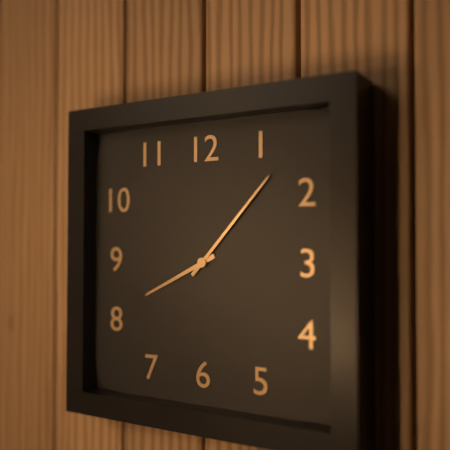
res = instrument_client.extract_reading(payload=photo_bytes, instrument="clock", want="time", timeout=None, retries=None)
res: 8:07
